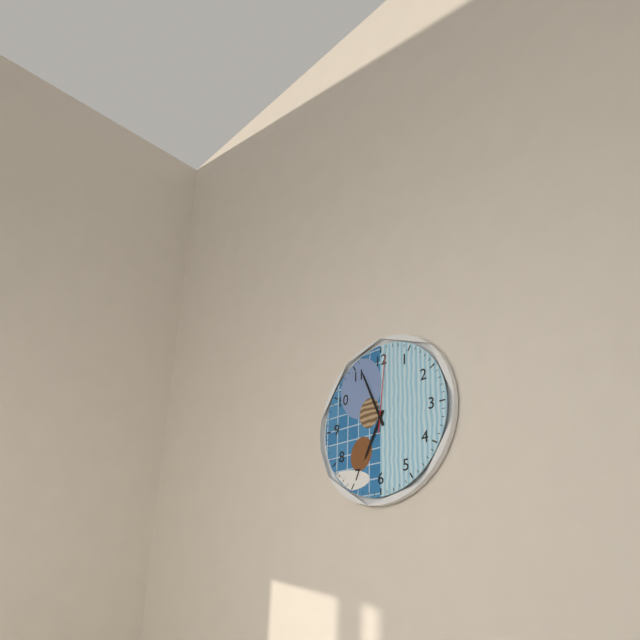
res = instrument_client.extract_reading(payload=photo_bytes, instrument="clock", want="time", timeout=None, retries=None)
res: 6:56:01
